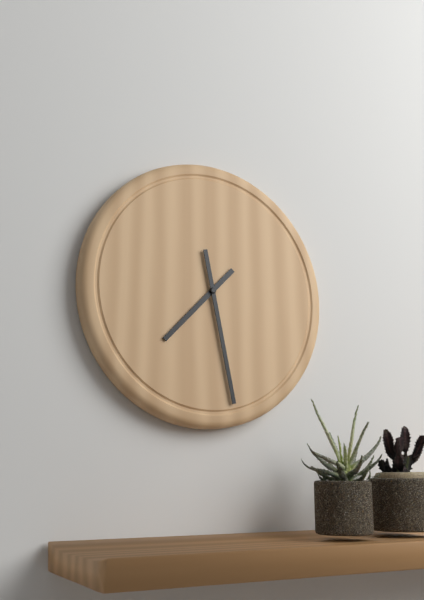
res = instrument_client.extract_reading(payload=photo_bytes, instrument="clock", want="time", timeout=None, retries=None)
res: 7:28
